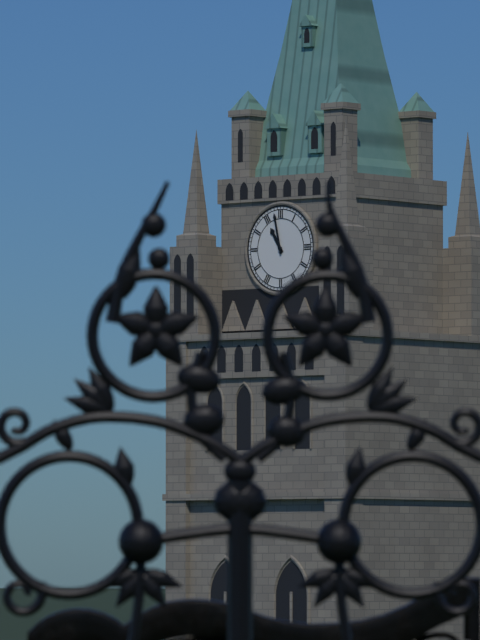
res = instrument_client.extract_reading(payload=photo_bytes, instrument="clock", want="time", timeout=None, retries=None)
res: 10:58
